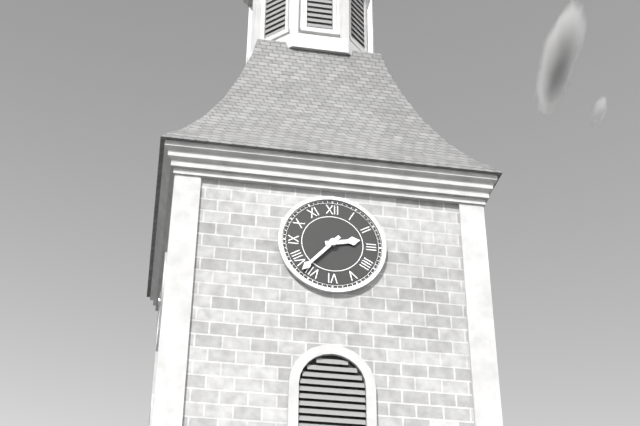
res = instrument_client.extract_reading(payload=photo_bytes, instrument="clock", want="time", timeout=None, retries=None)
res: 2:37
